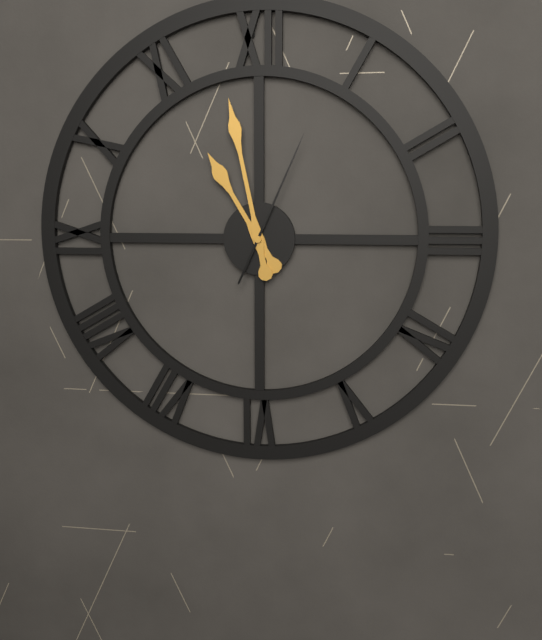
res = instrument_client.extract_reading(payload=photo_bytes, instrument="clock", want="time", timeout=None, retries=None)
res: 10:58:04
